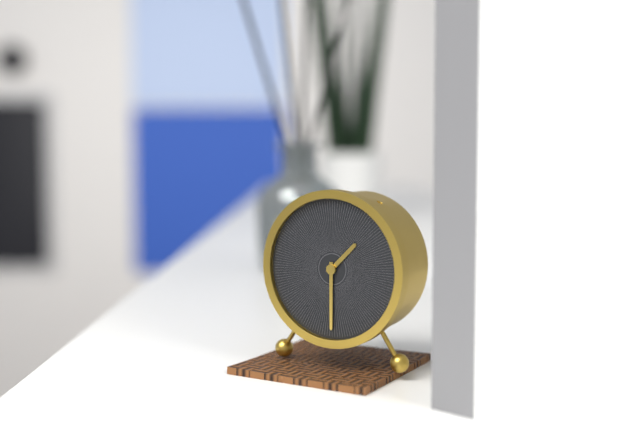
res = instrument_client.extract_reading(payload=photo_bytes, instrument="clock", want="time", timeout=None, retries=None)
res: 1:30
